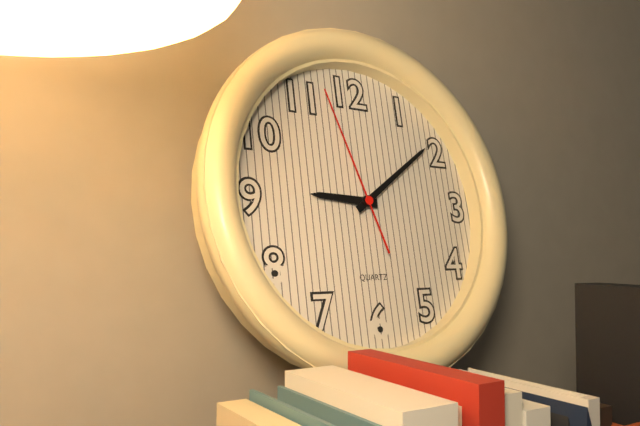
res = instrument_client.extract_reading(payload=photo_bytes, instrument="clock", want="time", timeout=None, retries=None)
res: 9:09:57
